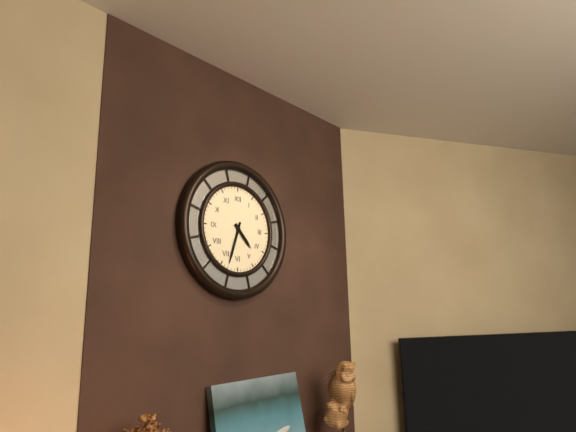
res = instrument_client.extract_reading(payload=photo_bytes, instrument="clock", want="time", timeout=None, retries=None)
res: 4:33
